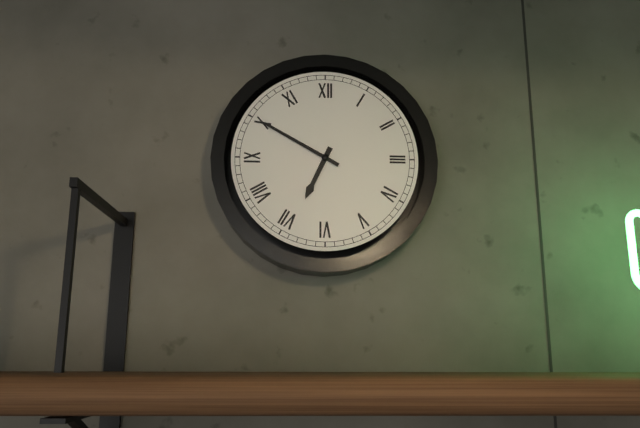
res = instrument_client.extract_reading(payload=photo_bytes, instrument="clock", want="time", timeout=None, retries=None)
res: 6:50
